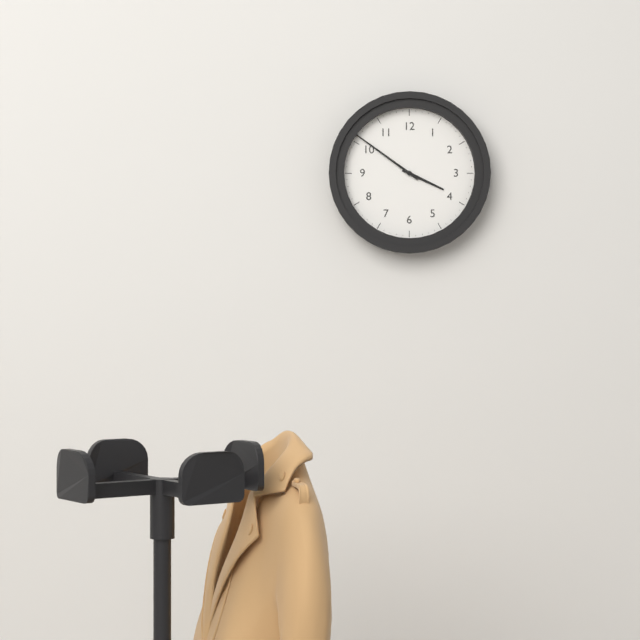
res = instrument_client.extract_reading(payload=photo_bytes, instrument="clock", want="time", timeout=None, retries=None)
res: 3:51
